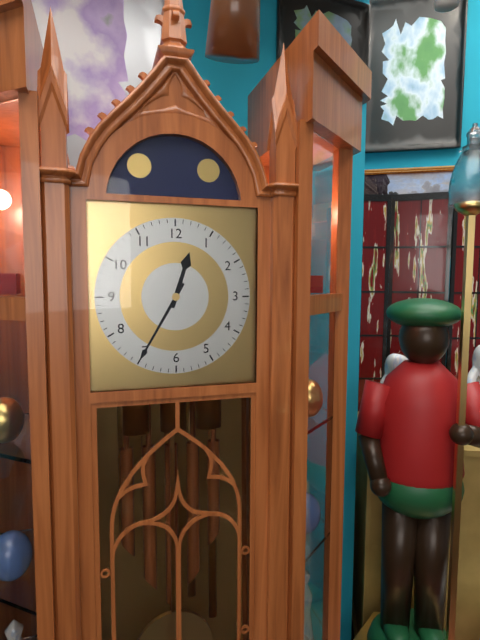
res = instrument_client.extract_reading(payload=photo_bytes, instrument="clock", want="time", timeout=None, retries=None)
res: 12:35
